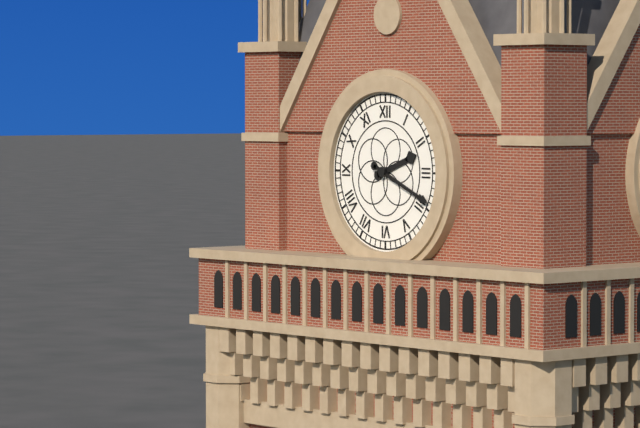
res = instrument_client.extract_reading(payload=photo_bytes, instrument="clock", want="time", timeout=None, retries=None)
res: 2:19
